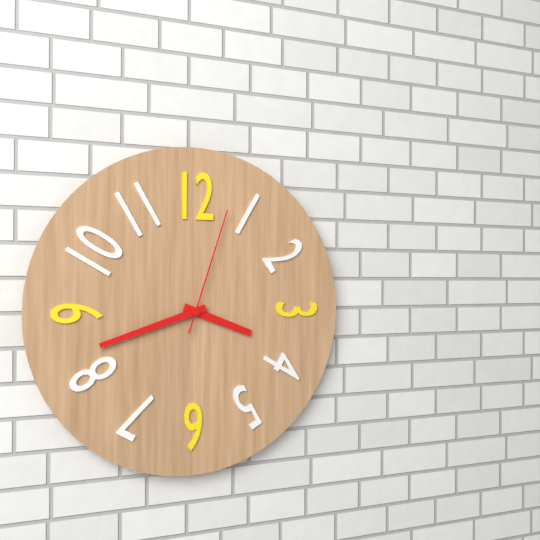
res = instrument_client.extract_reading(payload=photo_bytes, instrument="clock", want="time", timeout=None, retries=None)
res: 3:42:03
